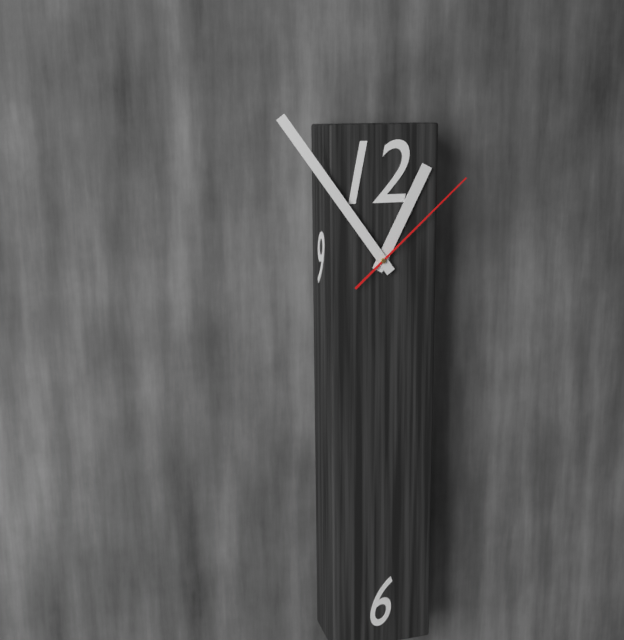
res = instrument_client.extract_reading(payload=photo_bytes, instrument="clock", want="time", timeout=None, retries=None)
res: 12:54:08
